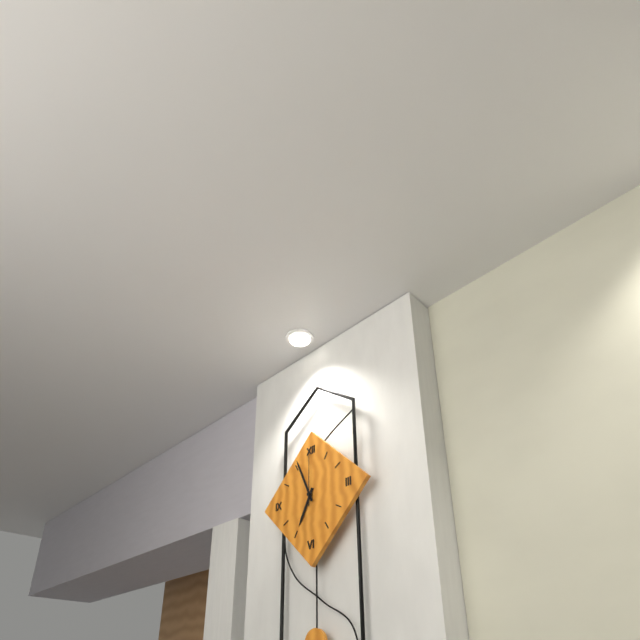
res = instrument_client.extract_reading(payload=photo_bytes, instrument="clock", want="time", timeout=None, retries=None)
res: 6:56:00
